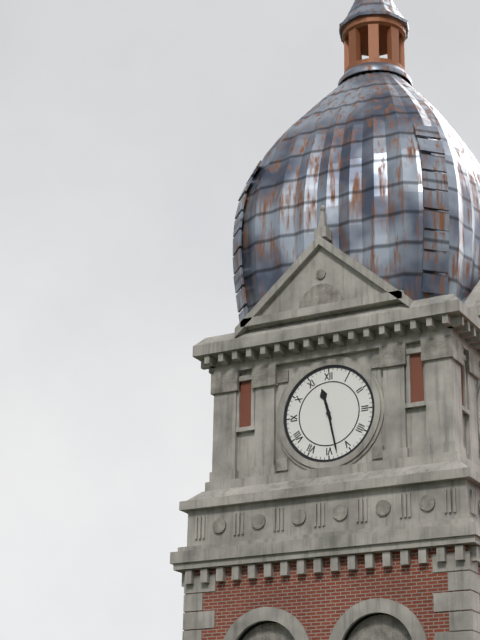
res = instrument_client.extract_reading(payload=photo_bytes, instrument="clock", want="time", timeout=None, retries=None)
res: 11:28
